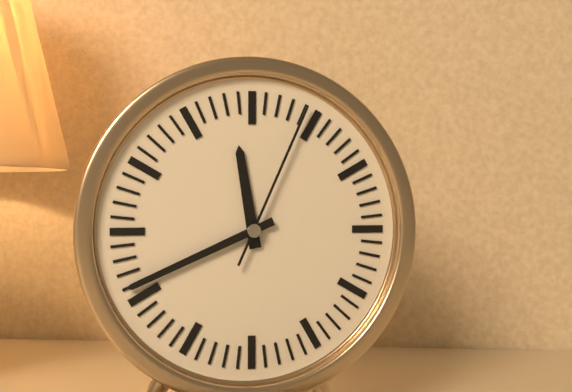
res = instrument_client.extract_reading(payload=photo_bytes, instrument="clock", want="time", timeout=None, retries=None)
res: 11:41:04
